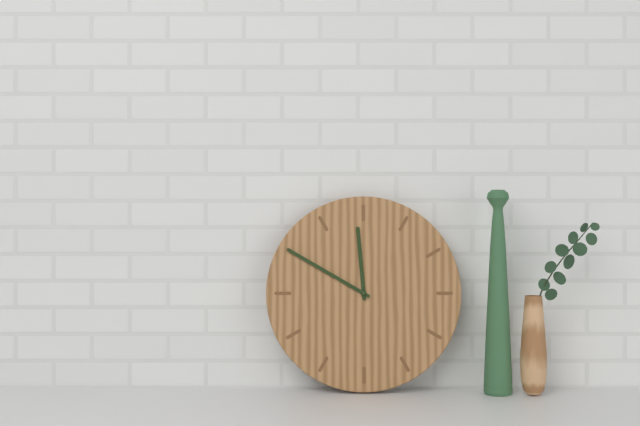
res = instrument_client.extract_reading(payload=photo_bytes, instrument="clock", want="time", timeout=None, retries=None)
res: 11:50
